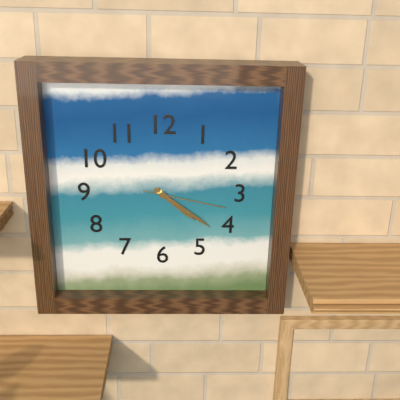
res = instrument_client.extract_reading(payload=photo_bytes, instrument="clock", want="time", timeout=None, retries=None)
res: 4:21:17
